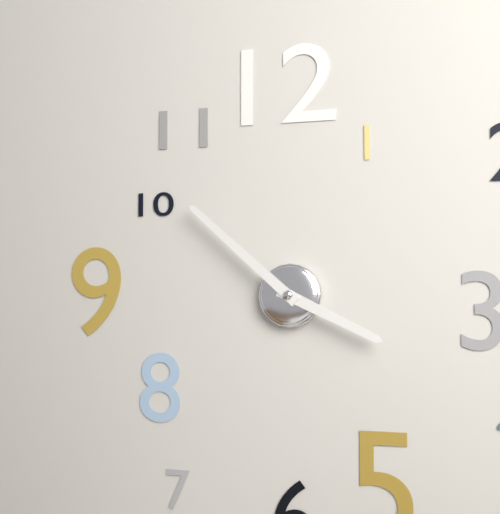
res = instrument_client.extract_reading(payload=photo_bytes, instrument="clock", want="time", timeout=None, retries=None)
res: 3:52
